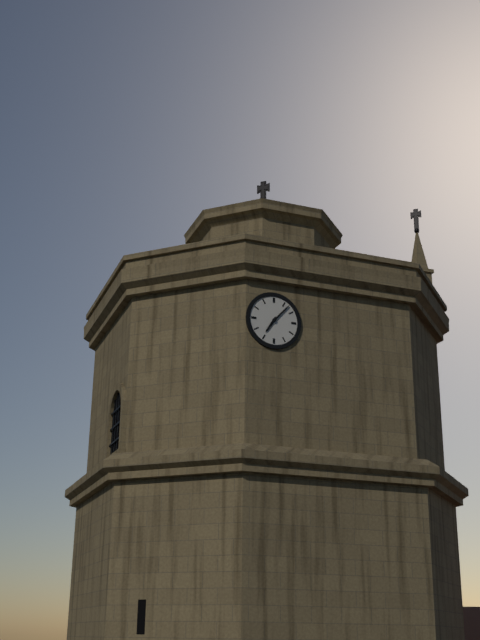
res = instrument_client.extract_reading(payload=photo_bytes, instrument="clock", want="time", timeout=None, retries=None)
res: 7:07
